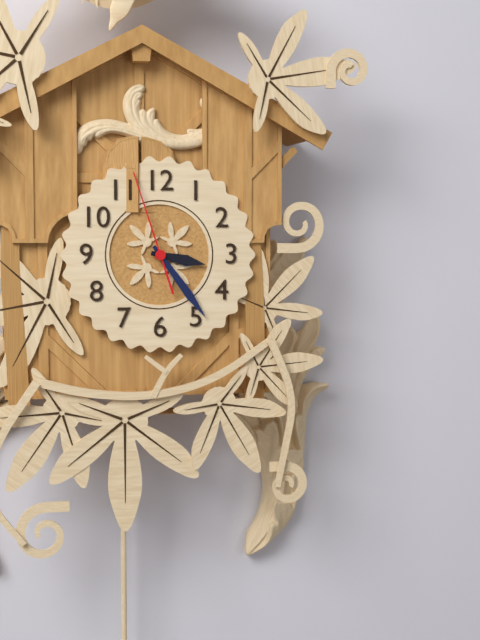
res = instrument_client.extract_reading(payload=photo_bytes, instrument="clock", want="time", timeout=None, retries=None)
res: 3:24:57
